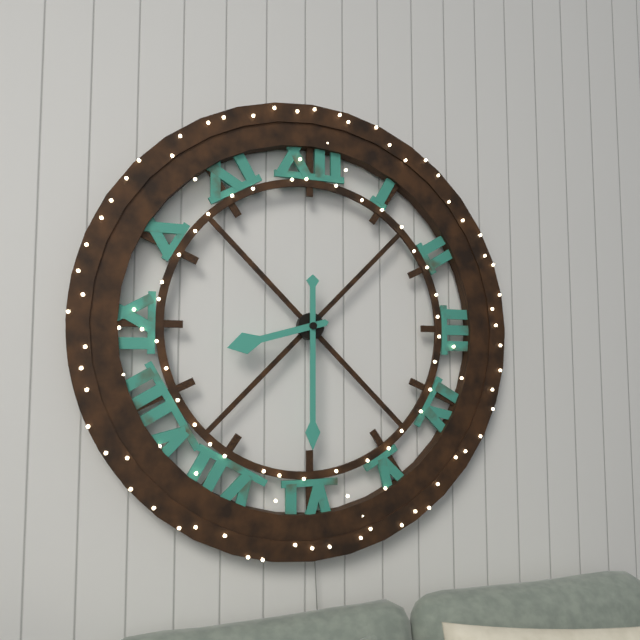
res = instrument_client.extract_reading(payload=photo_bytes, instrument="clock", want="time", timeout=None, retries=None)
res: 8:30
